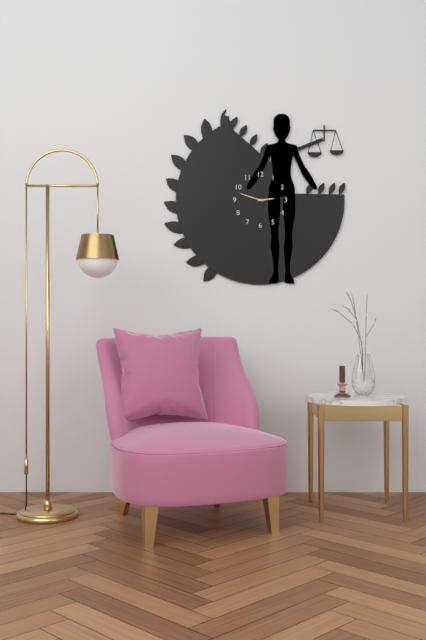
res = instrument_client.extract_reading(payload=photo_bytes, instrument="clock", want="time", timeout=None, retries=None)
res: 2:48
